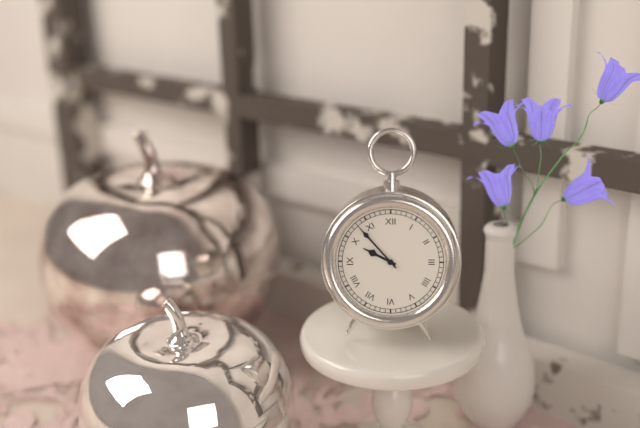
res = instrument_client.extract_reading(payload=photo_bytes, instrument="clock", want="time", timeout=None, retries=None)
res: 9:53
